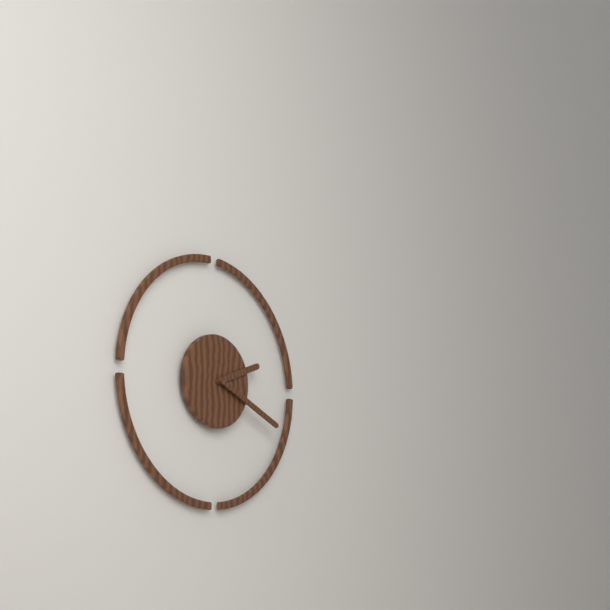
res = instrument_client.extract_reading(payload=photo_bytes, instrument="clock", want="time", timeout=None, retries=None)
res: 2:19
